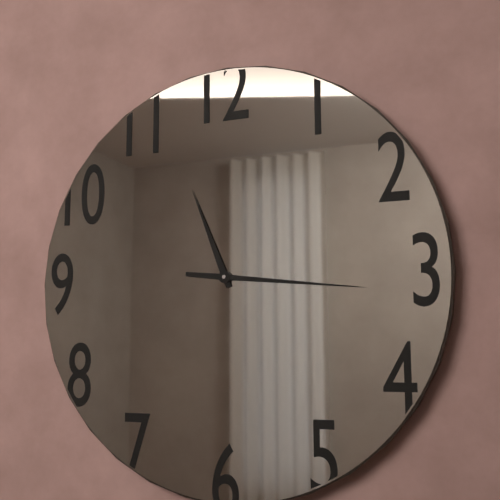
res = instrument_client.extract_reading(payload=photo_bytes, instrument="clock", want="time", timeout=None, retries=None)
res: 11:16
